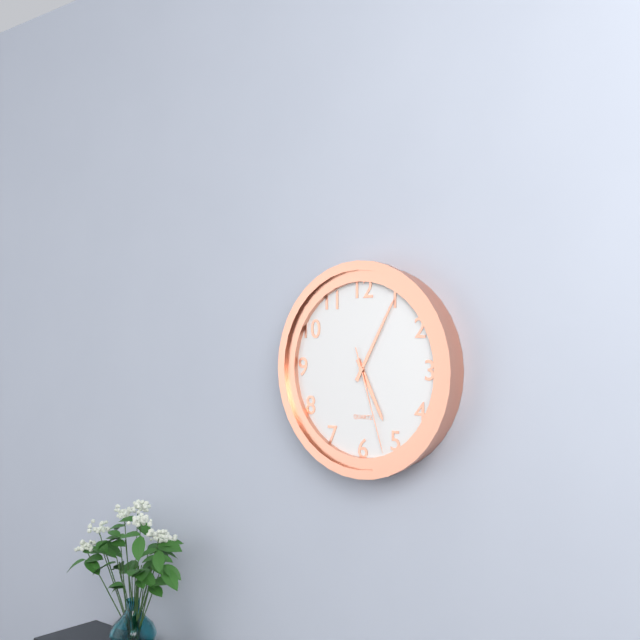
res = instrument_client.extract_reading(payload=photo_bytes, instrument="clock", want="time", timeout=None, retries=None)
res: 5:05:27
